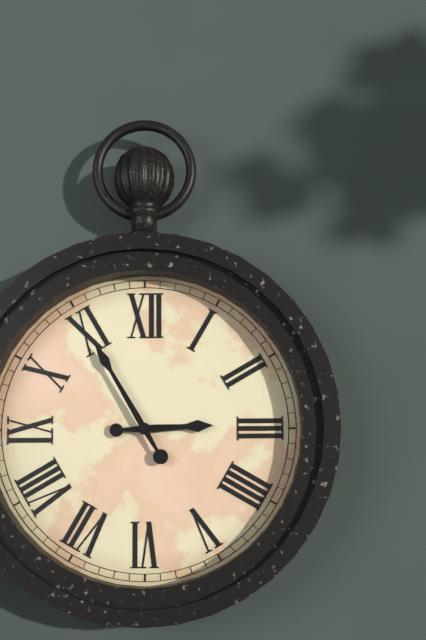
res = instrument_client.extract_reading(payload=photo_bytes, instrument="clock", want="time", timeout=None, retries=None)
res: 2:55
